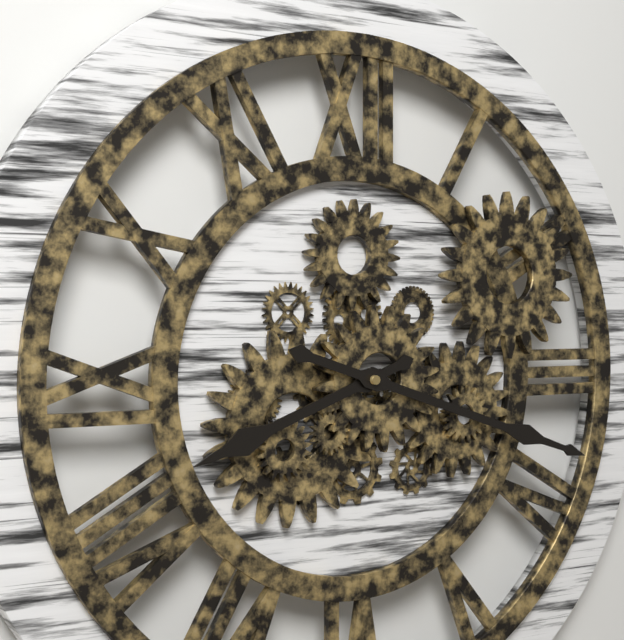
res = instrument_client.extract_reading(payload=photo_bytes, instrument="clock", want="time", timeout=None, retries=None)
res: 8:18
